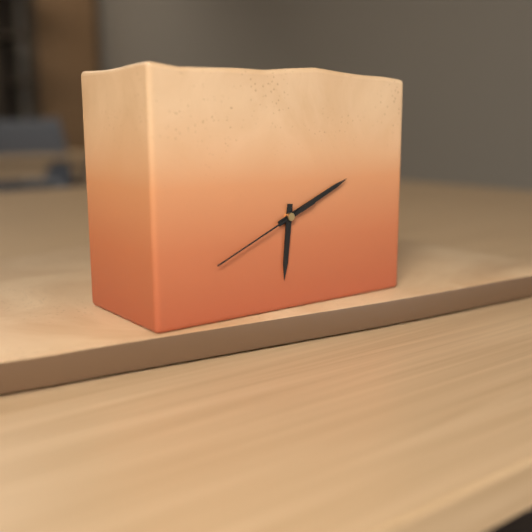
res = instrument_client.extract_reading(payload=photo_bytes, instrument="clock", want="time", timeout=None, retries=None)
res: 6:11:41
